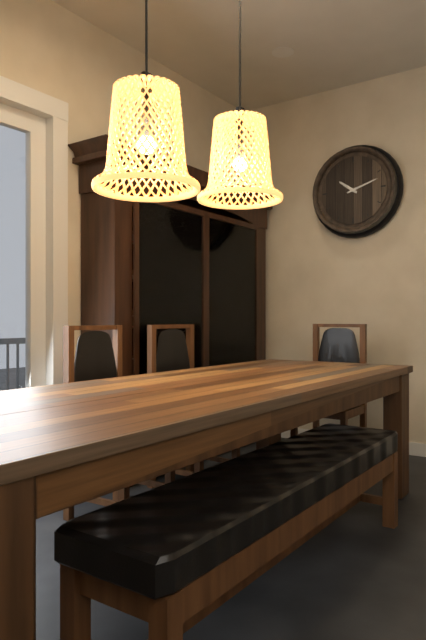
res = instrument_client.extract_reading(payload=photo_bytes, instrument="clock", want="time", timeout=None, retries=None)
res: 10:12
